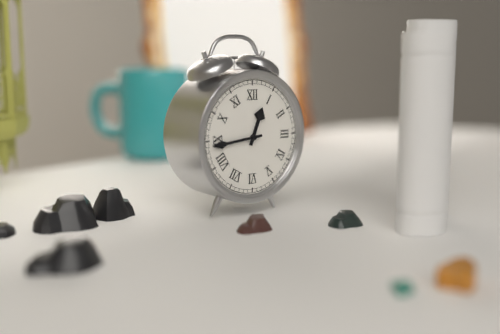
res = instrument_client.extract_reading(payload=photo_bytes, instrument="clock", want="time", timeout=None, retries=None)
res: 12:44
